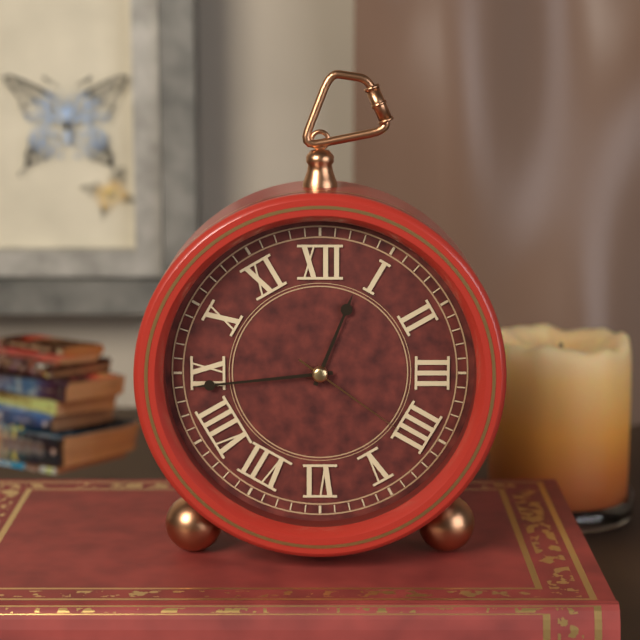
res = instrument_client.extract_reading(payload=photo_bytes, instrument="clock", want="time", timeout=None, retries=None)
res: 12:44:21
